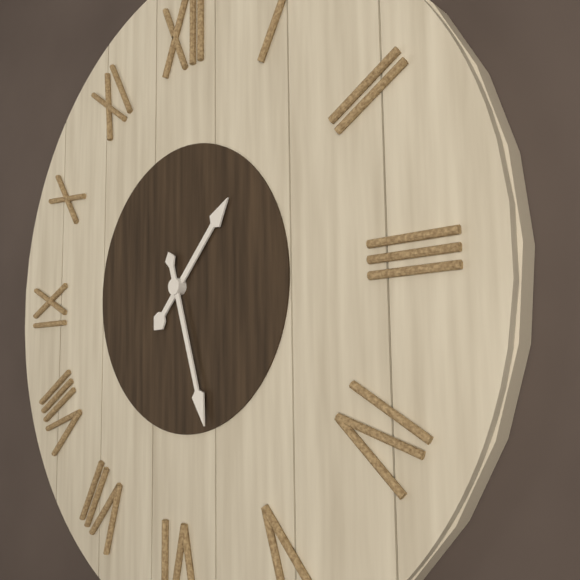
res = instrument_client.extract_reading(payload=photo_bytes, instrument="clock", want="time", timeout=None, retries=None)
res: 1:27
